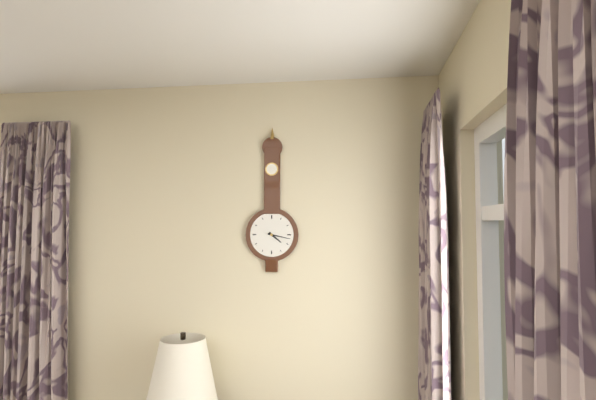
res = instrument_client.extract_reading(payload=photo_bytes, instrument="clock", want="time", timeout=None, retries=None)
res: 4:17
